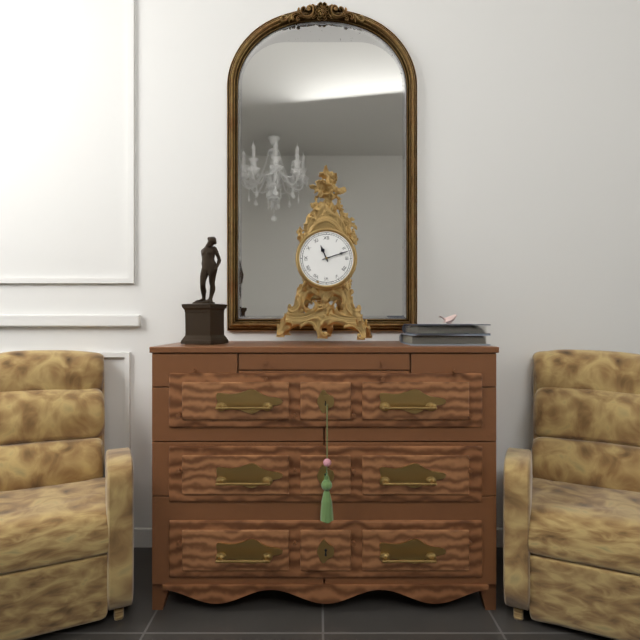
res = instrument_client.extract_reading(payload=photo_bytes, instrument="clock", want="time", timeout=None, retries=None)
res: 11:12
